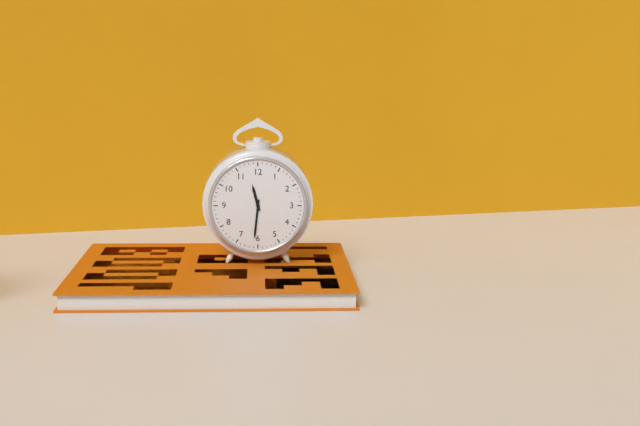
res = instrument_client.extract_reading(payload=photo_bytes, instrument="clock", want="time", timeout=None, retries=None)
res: 11:31
